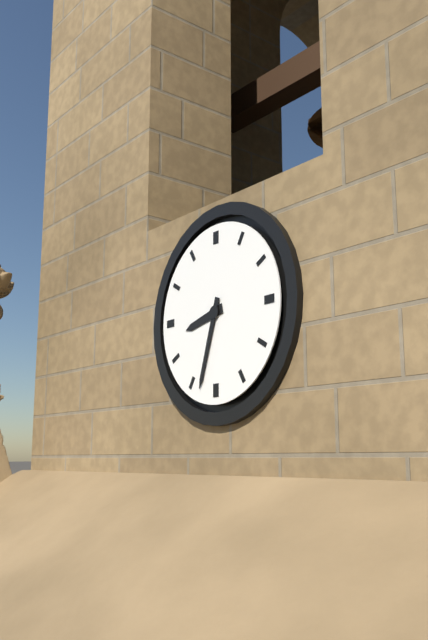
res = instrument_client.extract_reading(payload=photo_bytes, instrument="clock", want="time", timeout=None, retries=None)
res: 8:33
